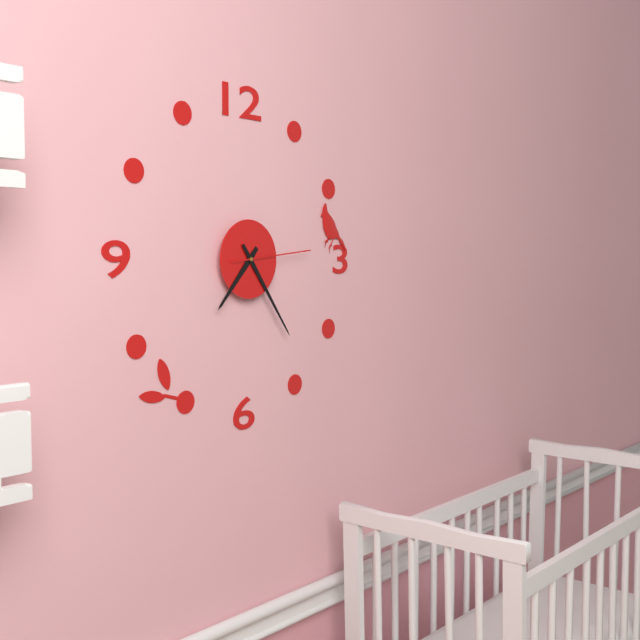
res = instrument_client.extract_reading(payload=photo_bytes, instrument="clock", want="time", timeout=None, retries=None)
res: 7:24:14
